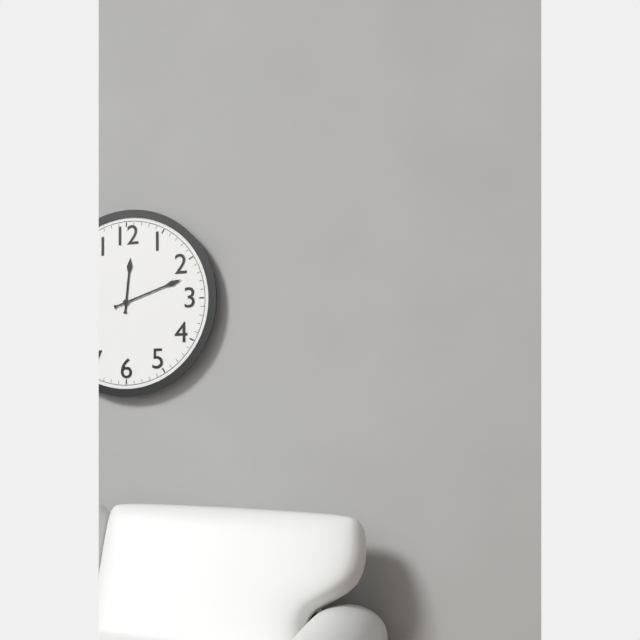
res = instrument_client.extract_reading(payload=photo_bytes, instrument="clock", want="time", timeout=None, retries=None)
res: 12:12
